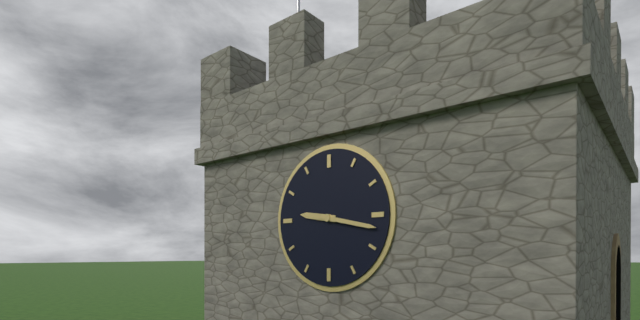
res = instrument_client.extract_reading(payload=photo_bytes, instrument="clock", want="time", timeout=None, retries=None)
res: 9:17
